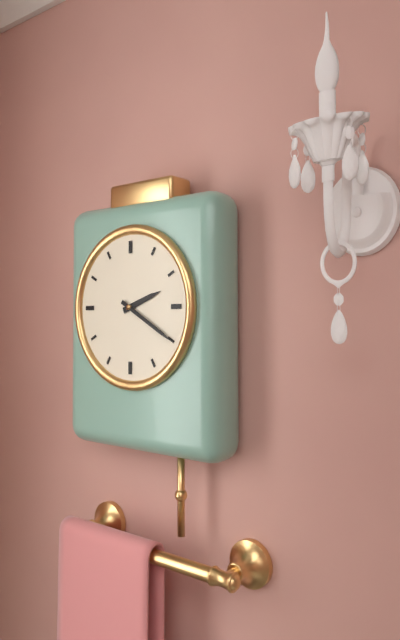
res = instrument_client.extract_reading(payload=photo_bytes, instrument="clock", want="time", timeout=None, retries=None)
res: 2:20
